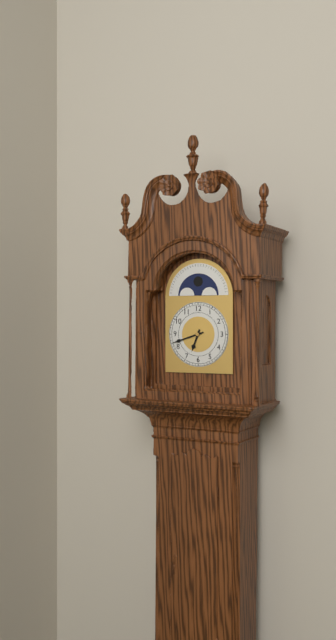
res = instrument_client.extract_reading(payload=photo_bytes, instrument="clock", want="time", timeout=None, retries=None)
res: 6:42
